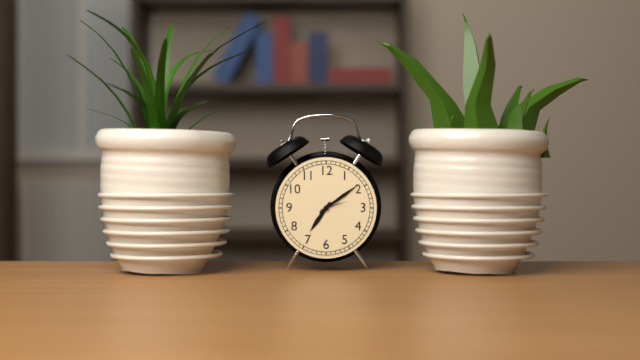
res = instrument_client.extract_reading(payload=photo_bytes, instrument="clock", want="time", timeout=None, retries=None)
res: 7:09
